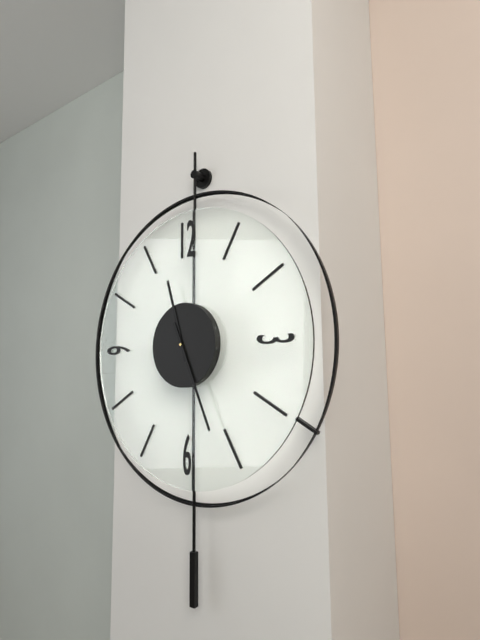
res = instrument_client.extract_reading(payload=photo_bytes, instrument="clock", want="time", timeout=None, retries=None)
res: 11:26
